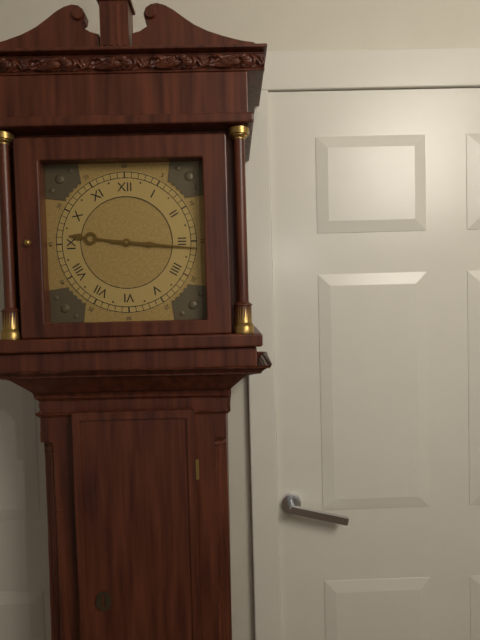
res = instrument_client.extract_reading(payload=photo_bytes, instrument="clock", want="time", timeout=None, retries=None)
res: 9:16
